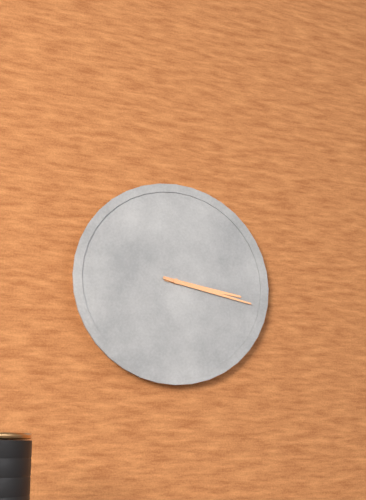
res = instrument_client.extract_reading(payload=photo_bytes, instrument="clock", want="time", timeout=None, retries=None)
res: 3:17
